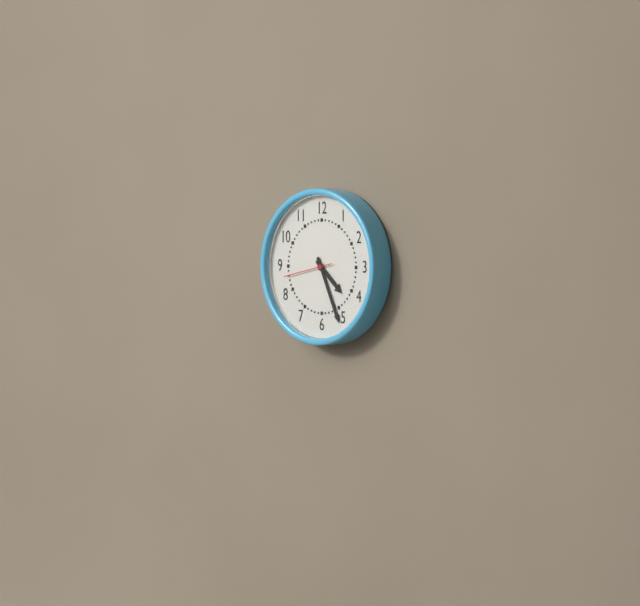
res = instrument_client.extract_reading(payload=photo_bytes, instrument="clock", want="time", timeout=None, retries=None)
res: 4:26
